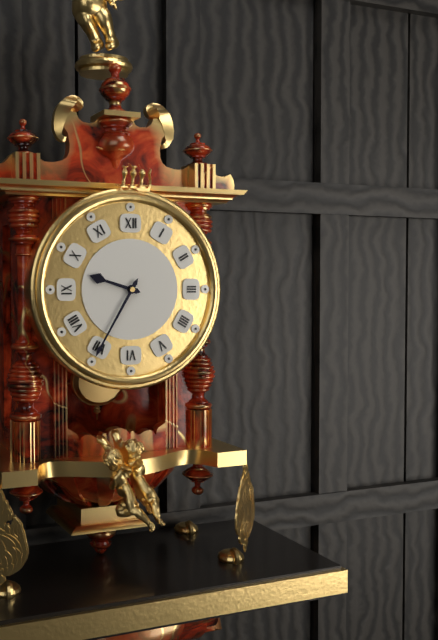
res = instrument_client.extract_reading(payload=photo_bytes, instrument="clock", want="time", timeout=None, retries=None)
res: 9:35
